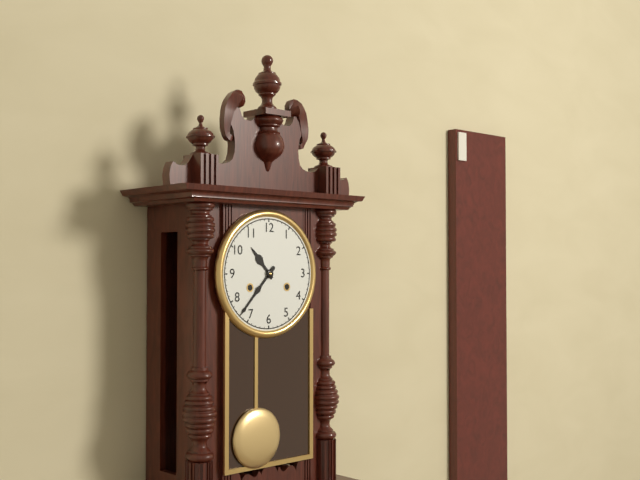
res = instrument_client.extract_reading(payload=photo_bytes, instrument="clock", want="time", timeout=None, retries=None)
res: 10:37
